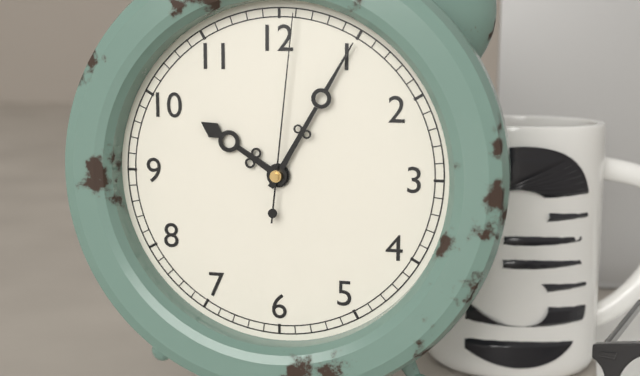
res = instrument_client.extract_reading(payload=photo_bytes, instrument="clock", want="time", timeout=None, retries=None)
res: 10:05:01
